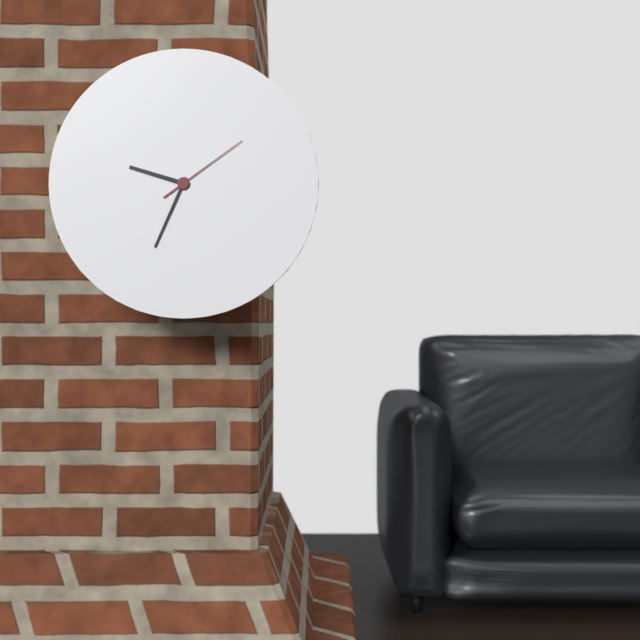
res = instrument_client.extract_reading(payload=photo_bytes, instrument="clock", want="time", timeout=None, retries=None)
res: 9:34:09
